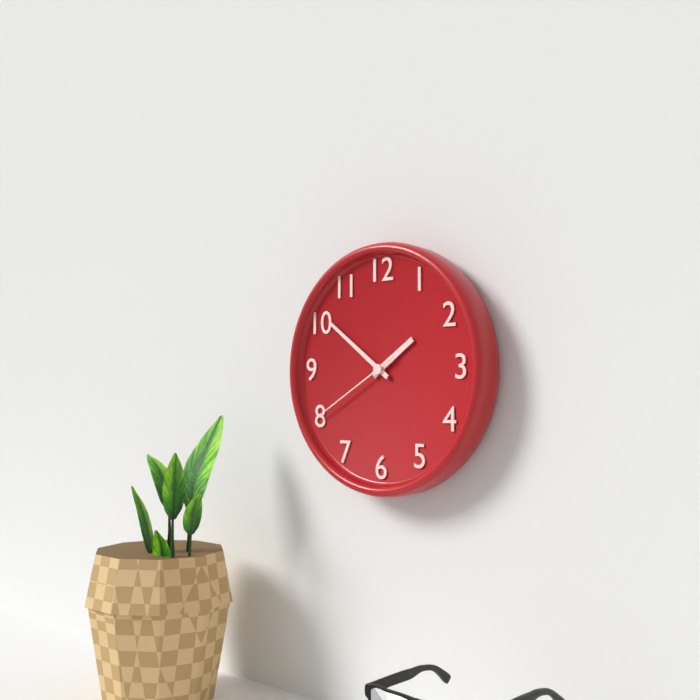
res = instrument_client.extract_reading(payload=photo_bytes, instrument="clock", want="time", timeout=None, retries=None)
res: 1:51:40
